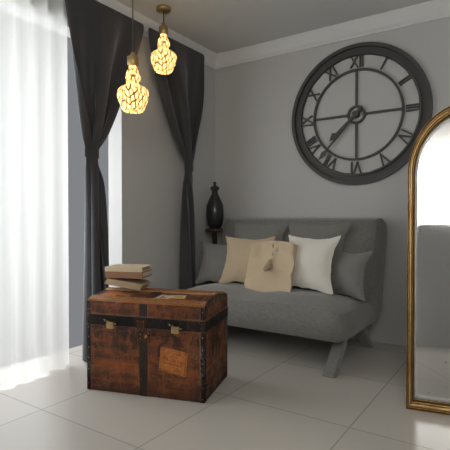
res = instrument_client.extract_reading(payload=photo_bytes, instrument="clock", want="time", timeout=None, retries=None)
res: 7:37
